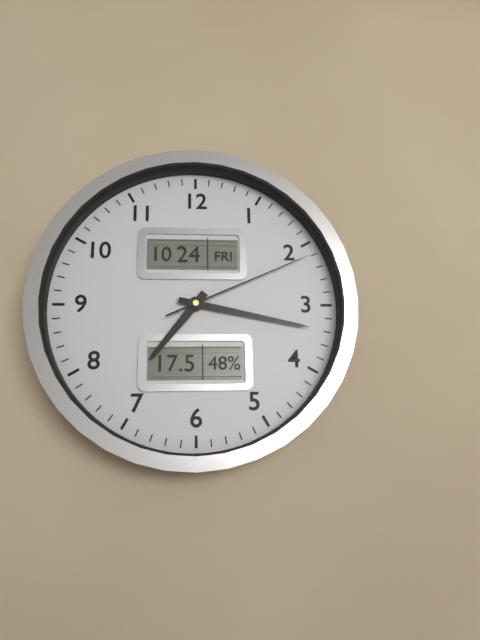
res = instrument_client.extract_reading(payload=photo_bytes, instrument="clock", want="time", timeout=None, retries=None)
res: 7:17:11
